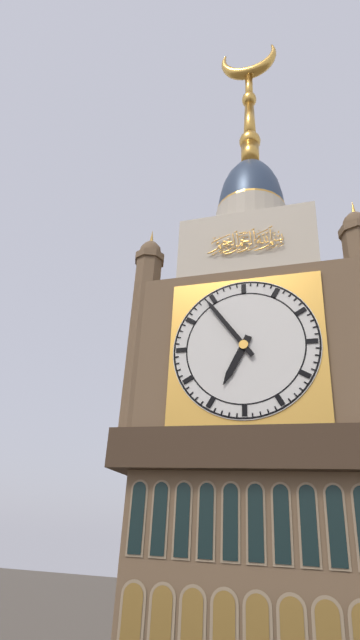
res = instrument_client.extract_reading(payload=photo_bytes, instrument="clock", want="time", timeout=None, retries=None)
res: 6:54
